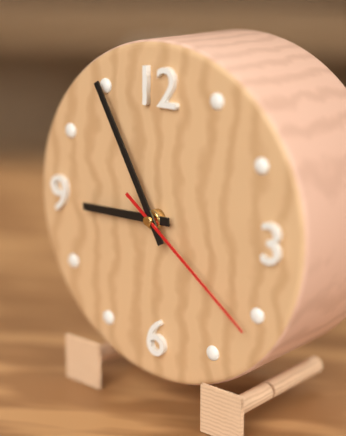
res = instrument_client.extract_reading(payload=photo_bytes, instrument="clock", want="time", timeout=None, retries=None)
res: 8:55:21
